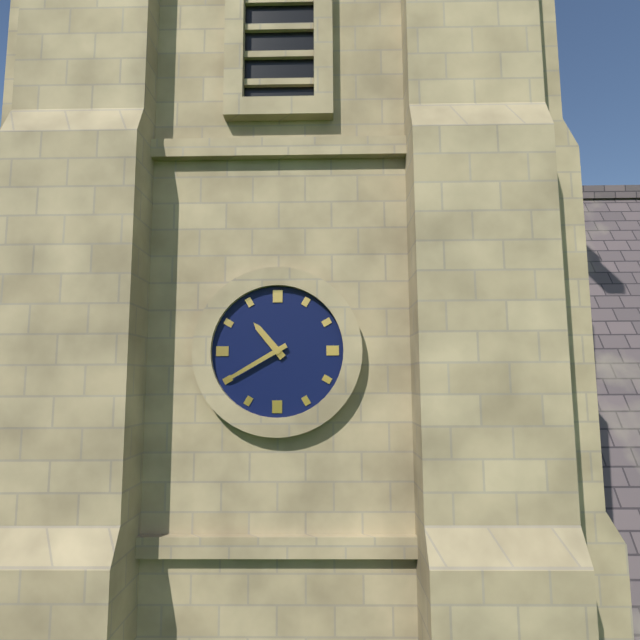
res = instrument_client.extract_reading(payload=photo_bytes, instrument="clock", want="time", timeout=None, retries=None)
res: 10:40
